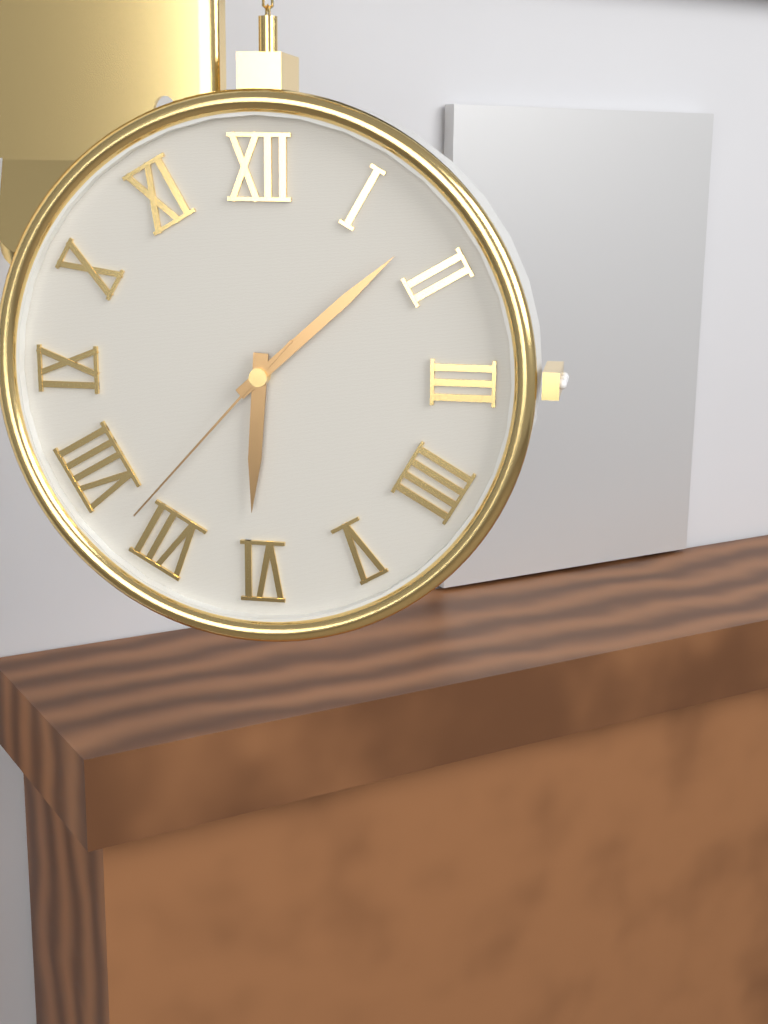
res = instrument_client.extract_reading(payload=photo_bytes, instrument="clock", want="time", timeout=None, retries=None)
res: 6:08:37
